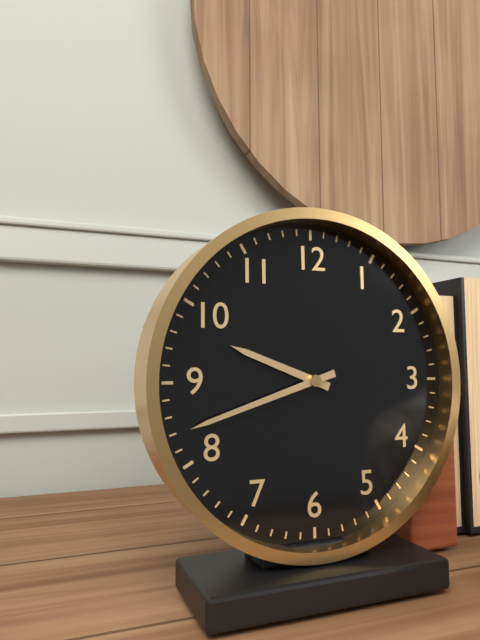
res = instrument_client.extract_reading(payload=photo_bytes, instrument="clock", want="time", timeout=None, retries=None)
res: 9:42
